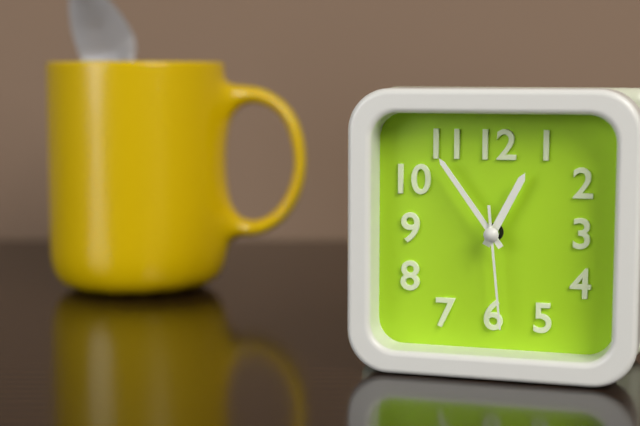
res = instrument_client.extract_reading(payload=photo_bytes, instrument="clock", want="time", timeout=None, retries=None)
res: 12:54:29
